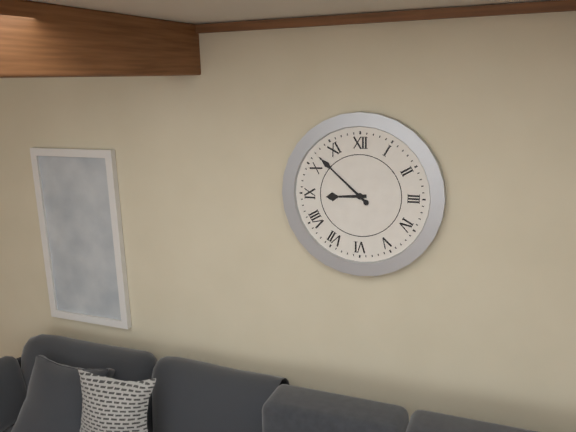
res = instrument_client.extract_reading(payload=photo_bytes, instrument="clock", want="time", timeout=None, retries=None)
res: 8:52
